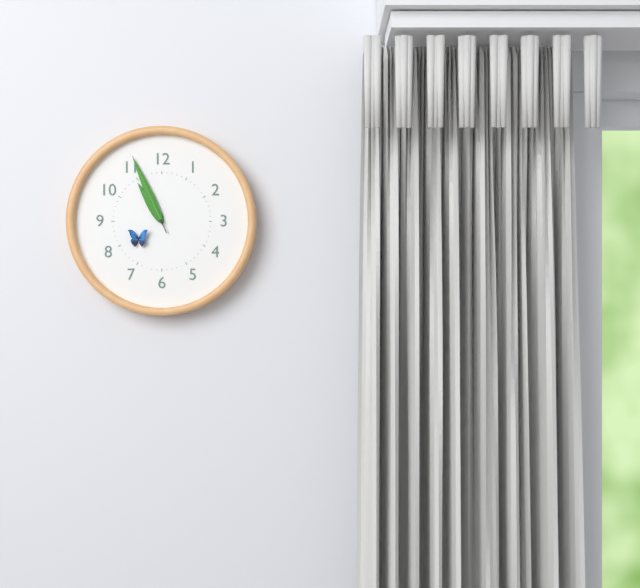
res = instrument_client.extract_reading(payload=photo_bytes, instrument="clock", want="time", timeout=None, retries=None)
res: 10:56
